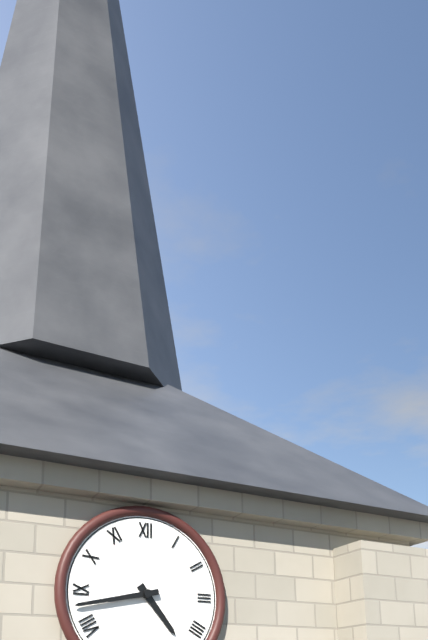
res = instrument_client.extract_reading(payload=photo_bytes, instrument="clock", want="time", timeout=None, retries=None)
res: 4:43
